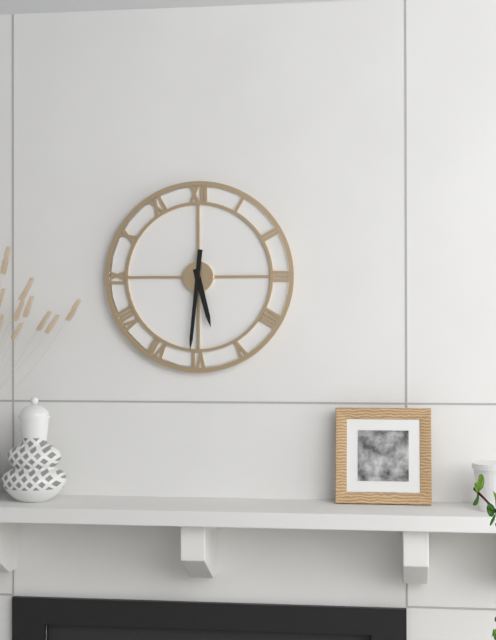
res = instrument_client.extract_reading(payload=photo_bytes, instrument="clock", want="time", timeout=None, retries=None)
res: 5:31
